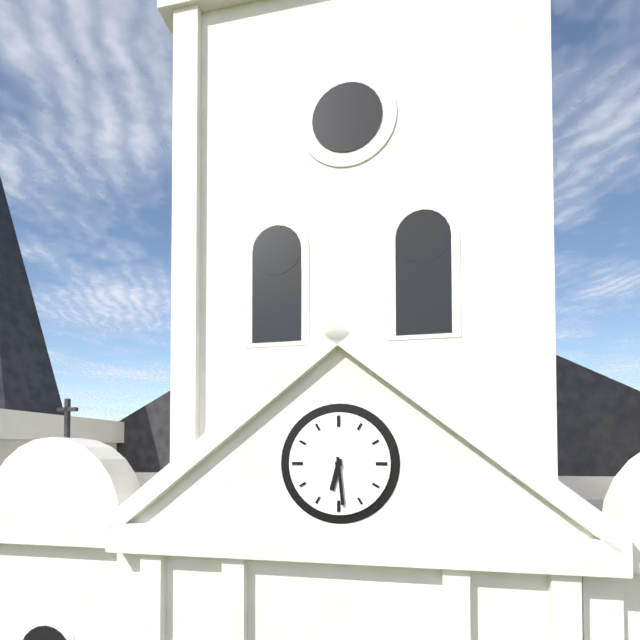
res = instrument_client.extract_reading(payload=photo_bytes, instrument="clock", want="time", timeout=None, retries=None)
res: 6:29
